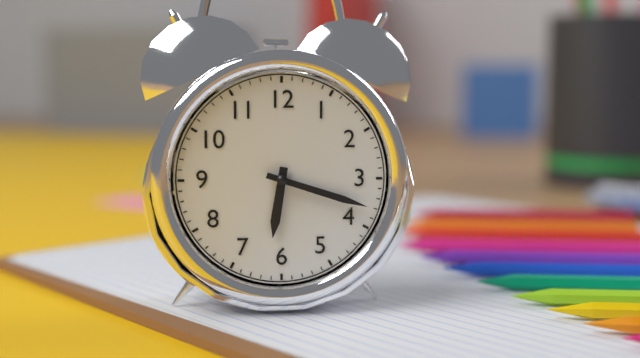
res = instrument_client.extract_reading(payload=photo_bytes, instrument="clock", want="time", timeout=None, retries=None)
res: 6:18
